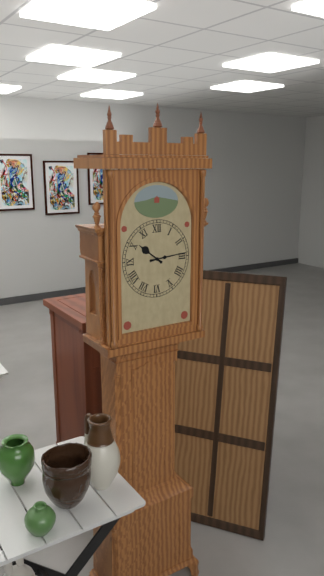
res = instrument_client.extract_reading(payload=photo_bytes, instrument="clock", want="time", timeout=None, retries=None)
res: 10:14
